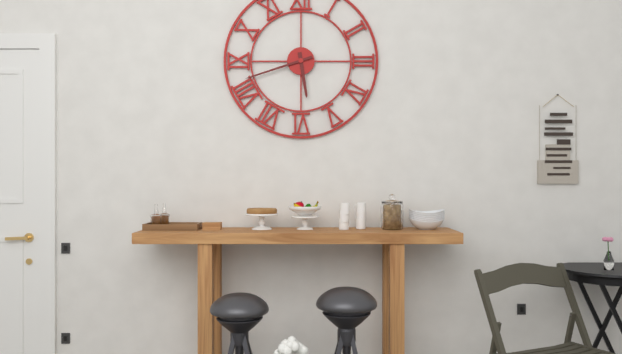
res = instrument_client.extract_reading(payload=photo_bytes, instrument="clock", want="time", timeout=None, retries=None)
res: 5:42
